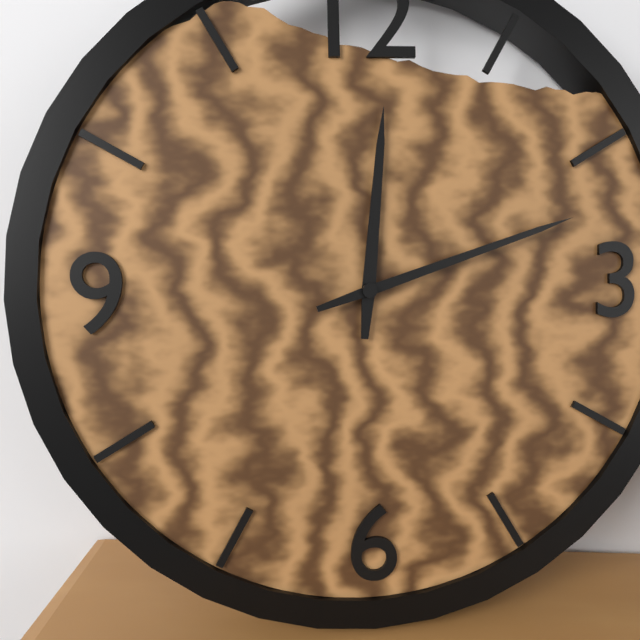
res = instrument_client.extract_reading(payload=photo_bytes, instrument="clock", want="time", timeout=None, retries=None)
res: 12:12
